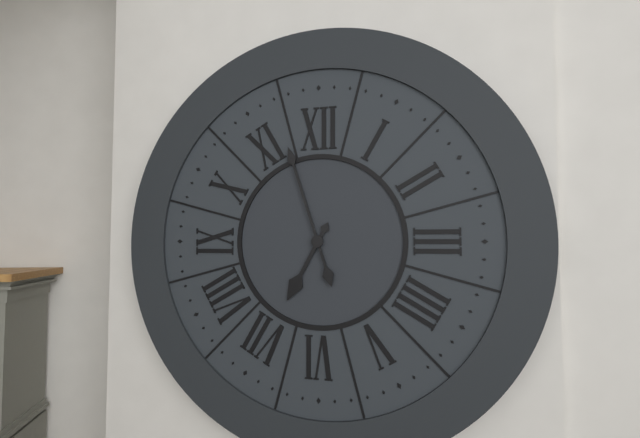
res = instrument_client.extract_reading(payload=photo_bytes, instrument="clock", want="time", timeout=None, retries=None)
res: 6:57
